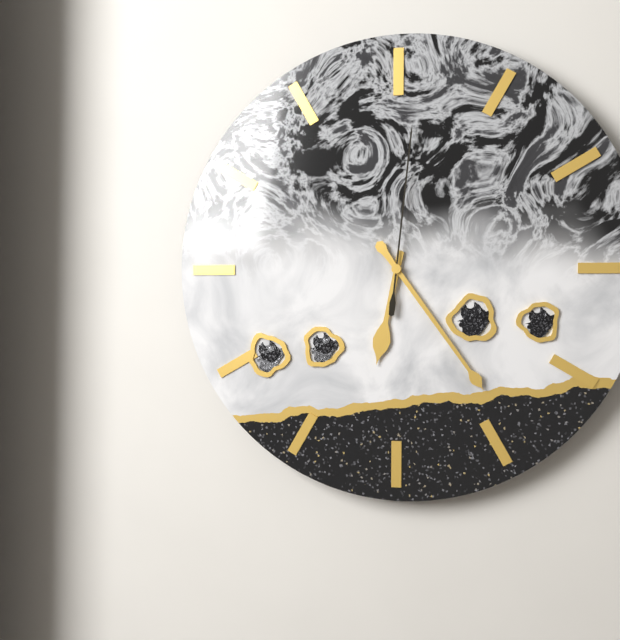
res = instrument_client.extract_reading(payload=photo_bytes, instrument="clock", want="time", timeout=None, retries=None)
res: 6:24:01
